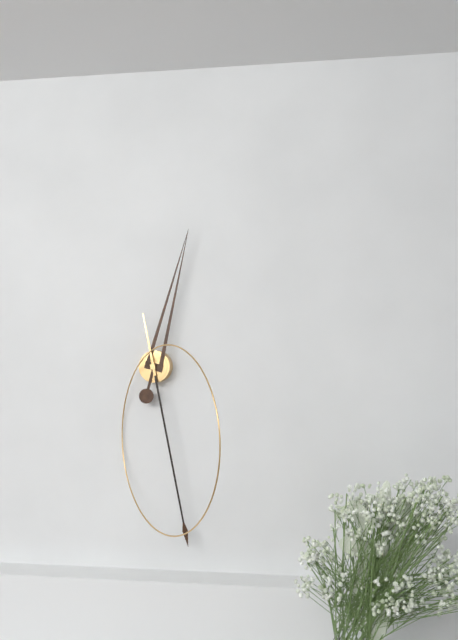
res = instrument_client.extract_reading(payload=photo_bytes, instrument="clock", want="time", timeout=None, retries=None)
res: 12:28
